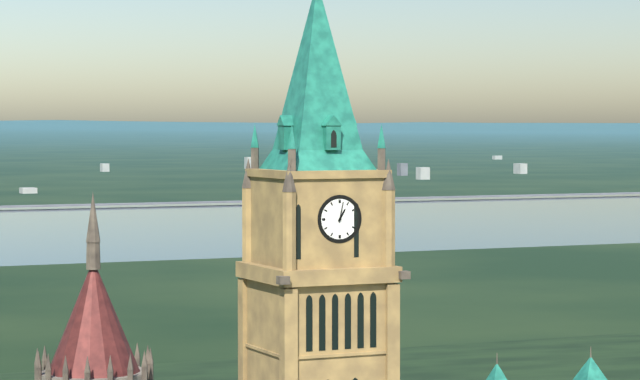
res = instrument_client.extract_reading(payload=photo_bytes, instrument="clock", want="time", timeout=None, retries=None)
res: 1:02
